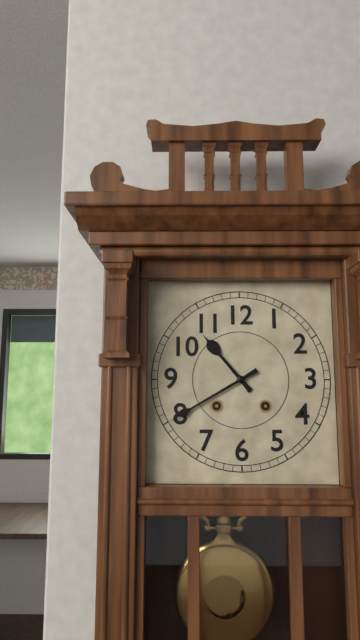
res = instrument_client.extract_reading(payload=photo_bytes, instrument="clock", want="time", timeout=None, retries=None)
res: 10:40
